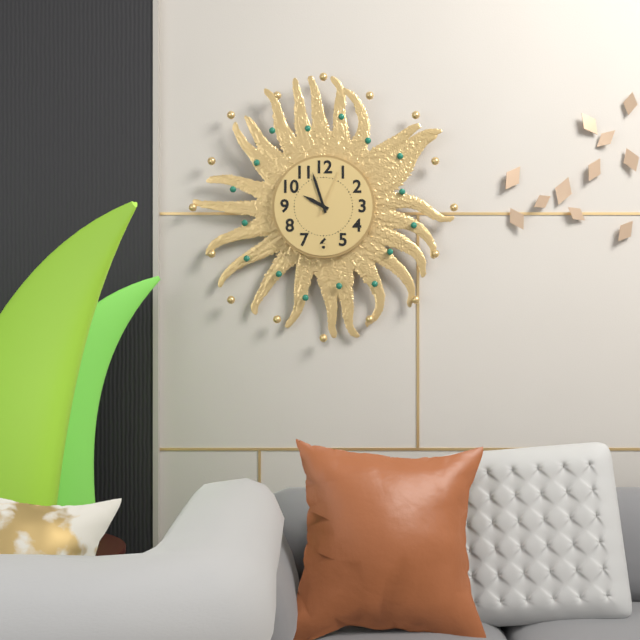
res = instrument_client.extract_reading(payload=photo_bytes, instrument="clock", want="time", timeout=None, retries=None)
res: 9:57:04
